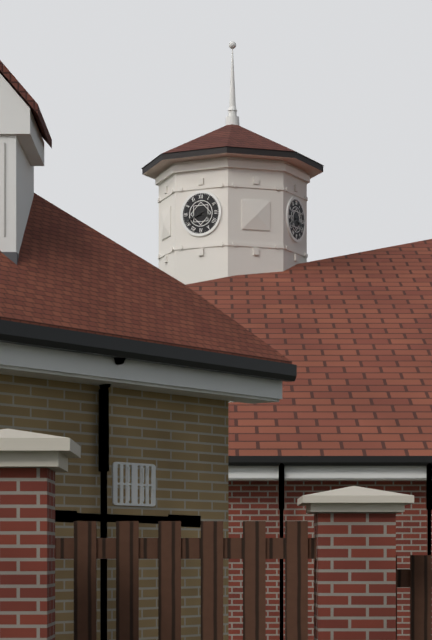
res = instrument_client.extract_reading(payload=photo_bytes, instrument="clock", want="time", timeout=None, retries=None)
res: 3:41
